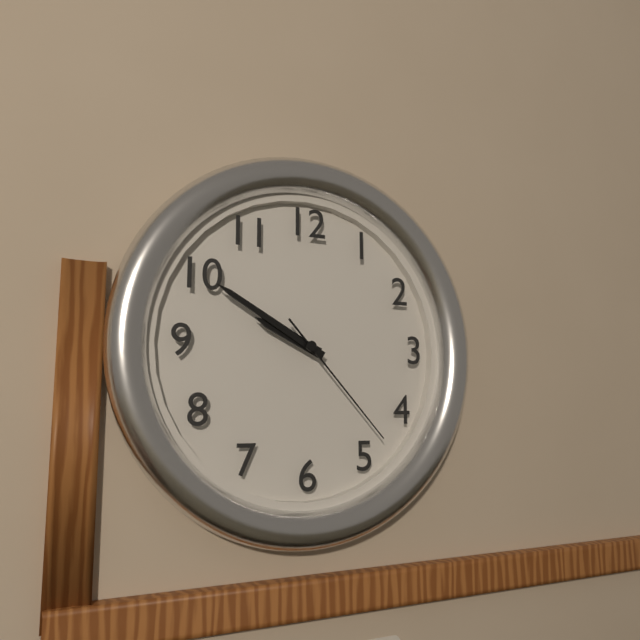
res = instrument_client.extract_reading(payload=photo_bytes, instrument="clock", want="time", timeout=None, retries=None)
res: 9:50:23
